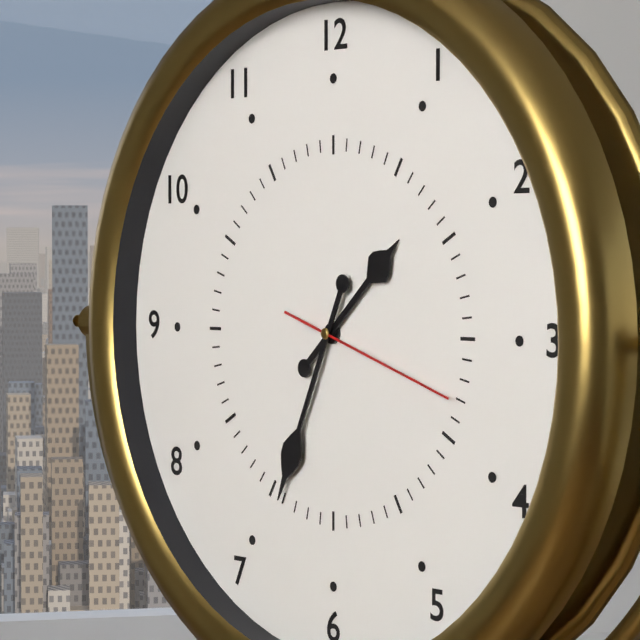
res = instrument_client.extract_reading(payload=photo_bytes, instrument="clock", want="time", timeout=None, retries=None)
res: 1:34:18
